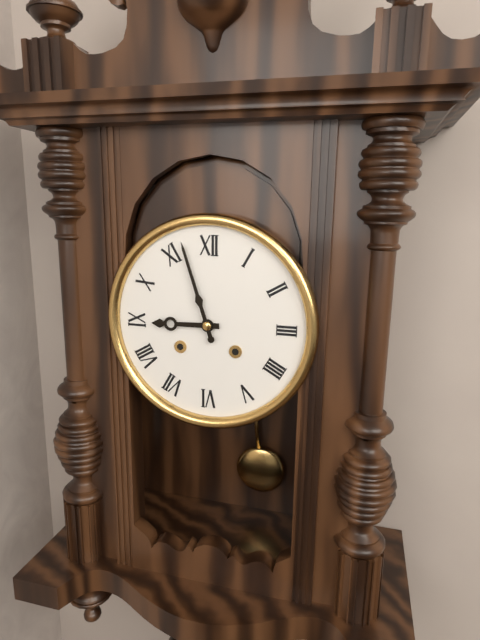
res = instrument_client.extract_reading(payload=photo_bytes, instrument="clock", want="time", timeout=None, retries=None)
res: 8:57
